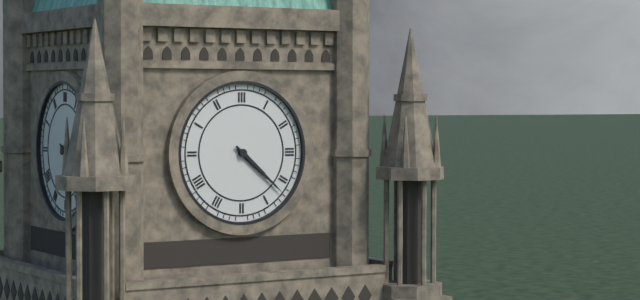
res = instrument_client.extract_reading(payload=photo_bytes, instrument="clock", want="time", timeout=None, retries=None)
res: 4:22
